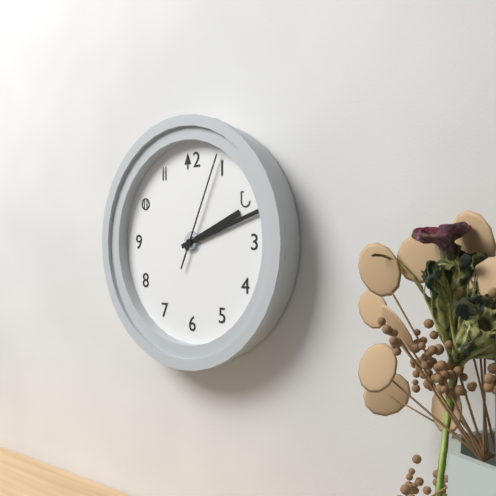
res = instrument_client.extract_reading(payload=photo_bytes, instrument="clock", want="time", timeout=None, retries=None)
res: 2:12:04
